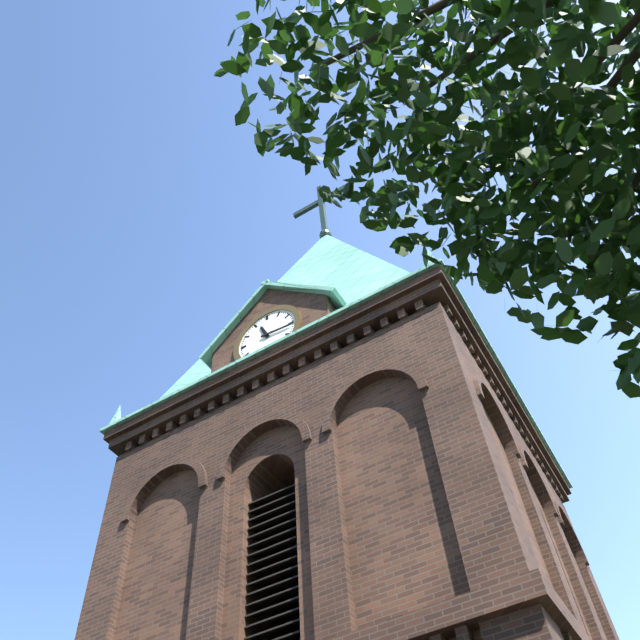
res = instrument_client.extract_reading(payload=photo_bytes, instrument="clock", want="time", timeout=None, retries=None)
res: 11:16
